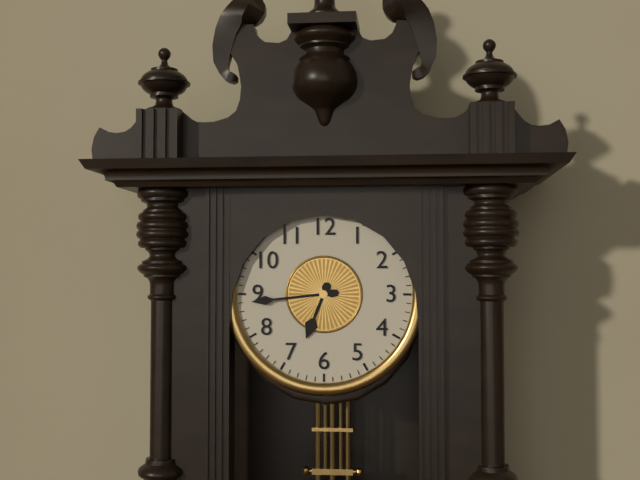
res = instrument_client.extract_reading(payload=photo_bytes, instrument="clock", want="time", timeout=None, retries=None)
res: 6:44
